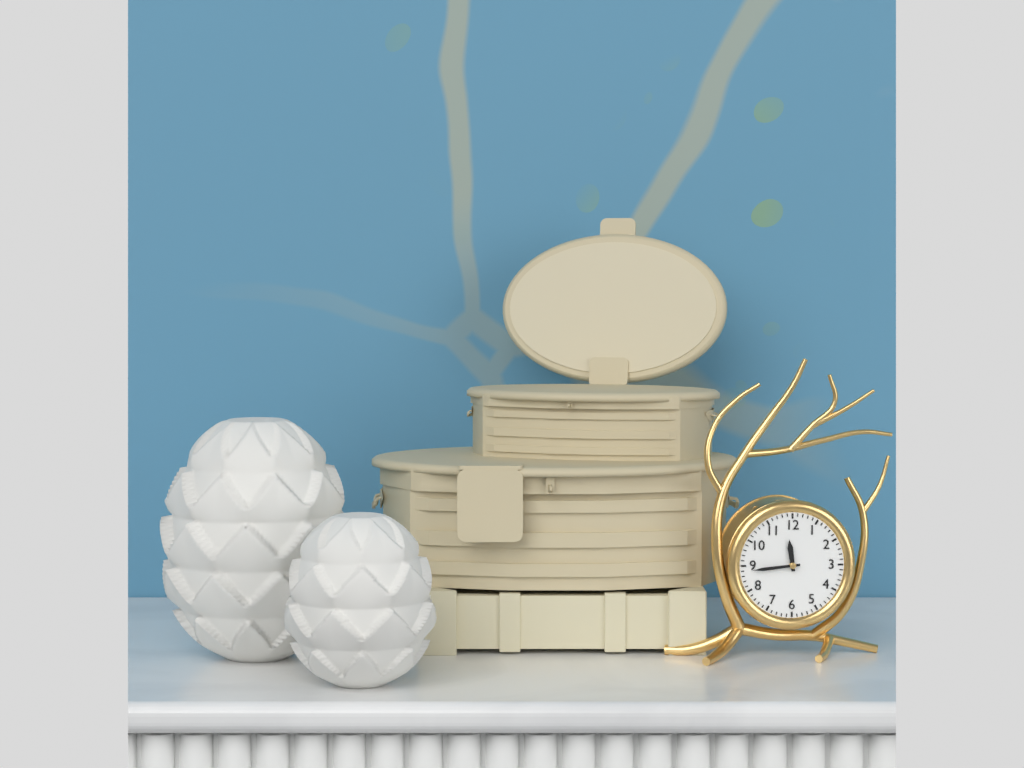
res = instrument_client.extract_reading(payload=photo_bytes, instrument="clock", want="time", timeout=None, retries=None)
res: 11:44
